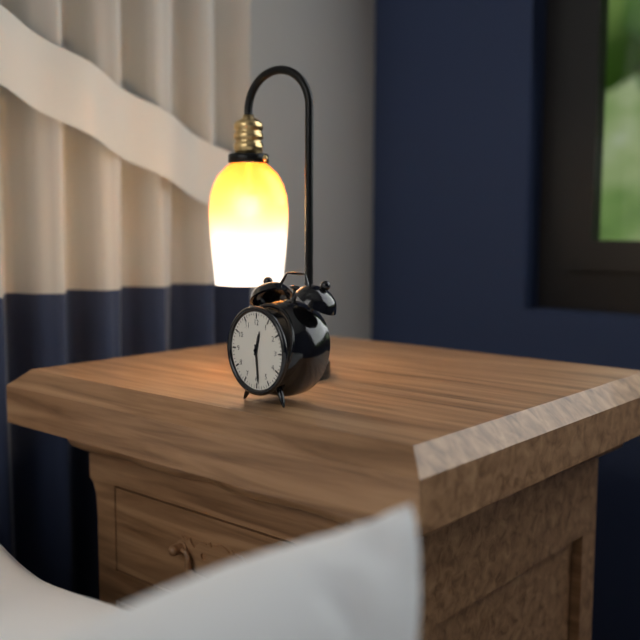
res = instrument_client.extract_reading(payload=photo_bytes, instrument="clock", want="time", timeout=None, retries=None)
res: 12:29
